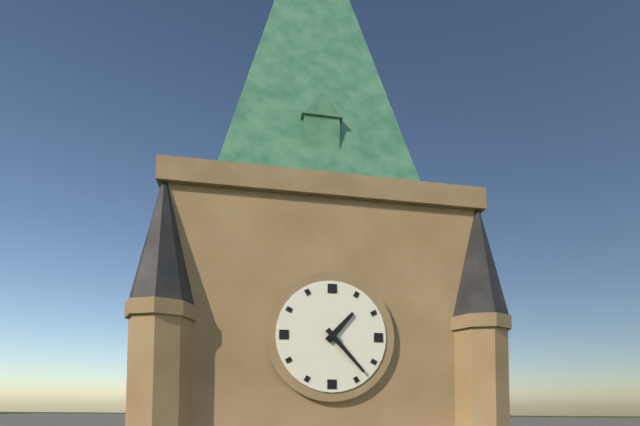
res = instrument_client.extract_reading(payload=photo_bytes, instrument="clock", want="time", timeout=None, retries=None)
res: 1:23
